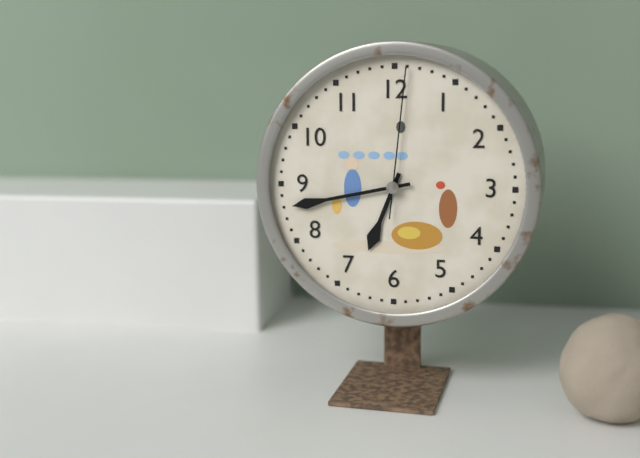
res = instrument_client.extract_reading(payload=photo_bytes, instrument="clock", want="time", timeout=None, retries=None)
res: 6:43:01
